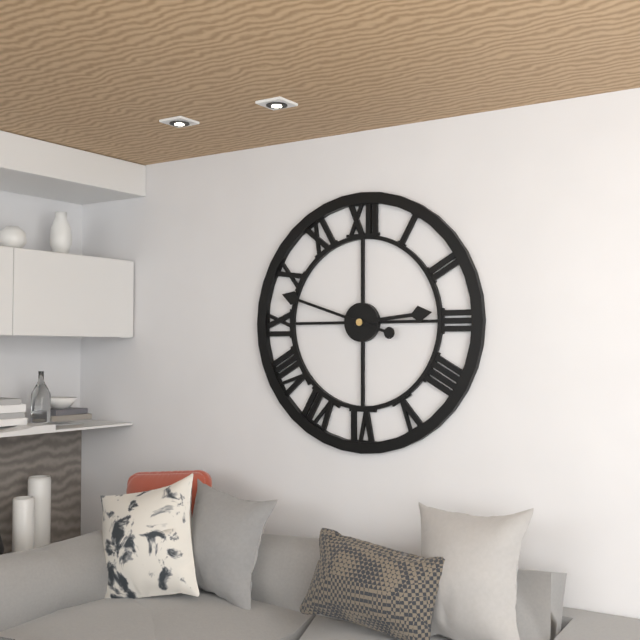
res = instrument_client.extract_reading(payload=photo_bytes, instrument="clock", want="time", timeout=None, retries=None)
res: 2:48
